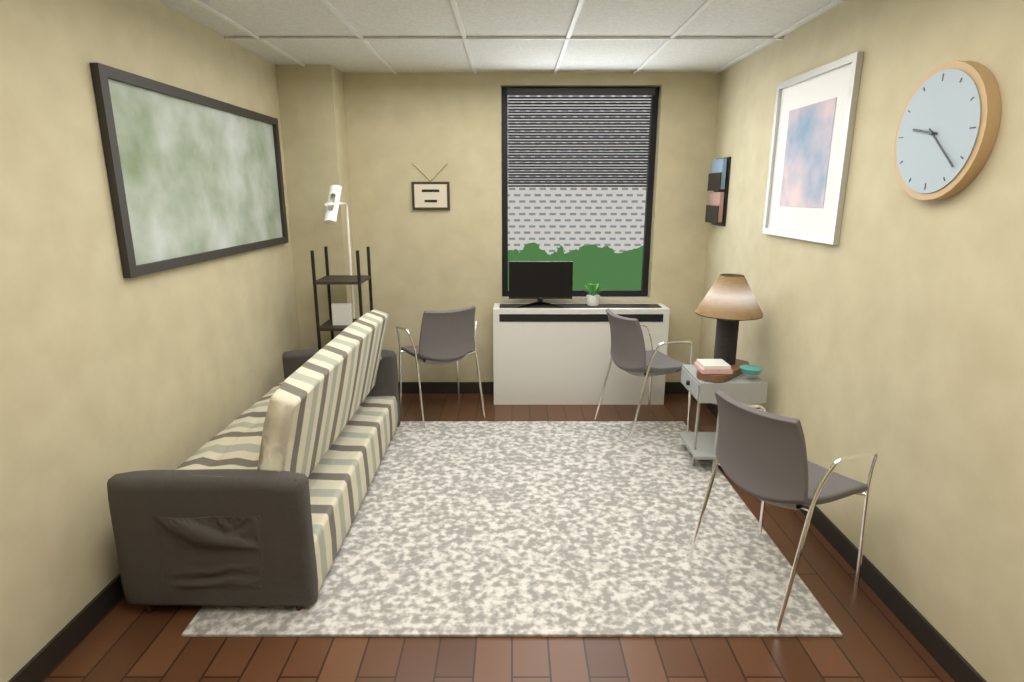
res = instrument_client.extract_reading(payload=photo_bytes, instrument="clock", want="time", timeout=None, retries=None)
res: 9:22
